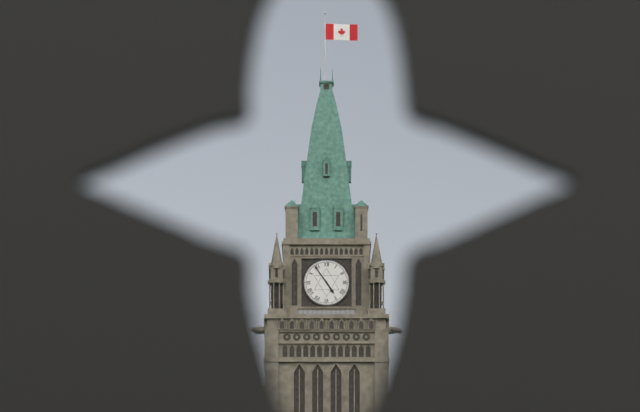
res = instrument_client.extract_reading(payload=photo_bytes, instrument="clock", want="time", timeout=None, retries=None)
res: 4:54
